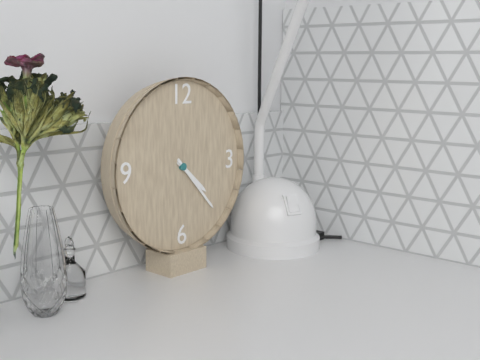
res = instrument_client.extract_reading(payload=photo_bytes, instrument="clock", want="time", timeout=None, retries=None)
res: 4:23
